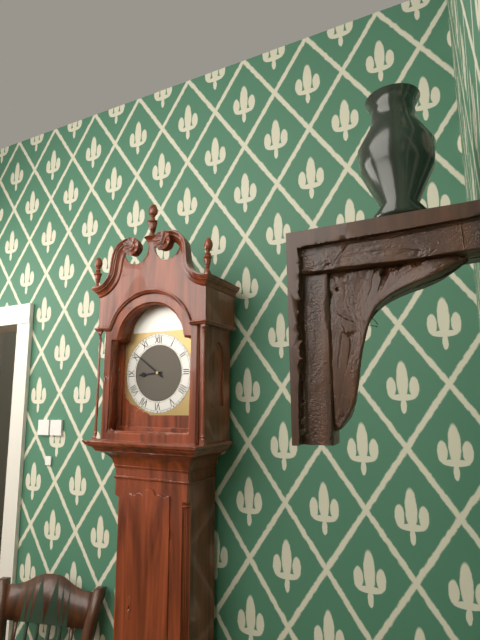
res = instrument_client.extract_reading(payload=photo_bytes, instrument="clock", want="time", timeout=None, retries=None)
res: 8:51
